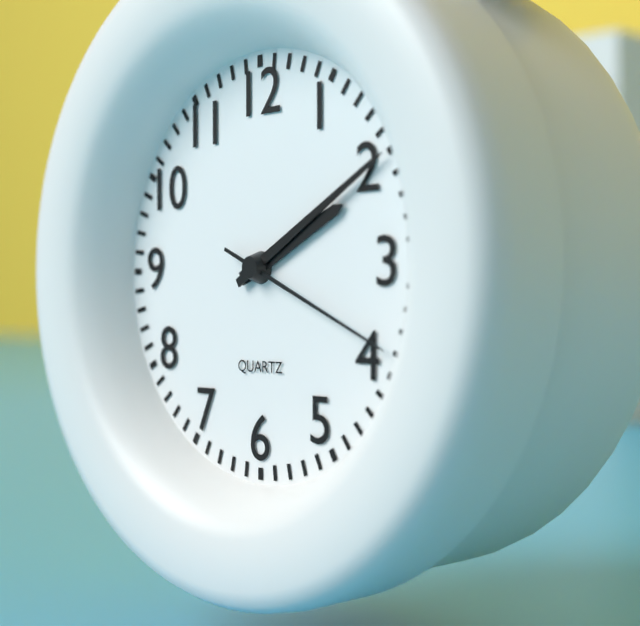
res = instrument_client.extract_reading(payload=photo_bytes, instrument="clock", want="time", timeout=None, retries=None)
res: 2:10:19
